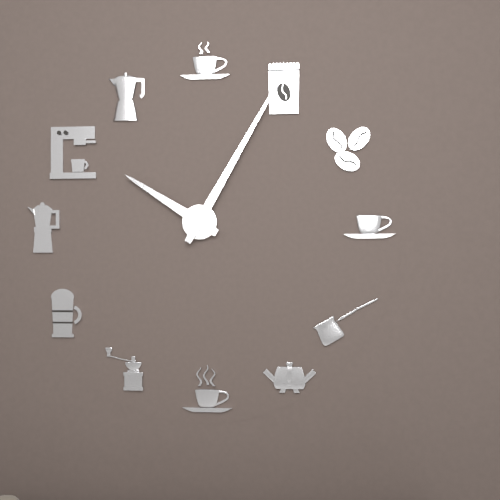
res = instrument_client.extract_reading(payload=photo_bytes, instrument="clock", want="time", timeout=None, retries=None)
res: 10:05
